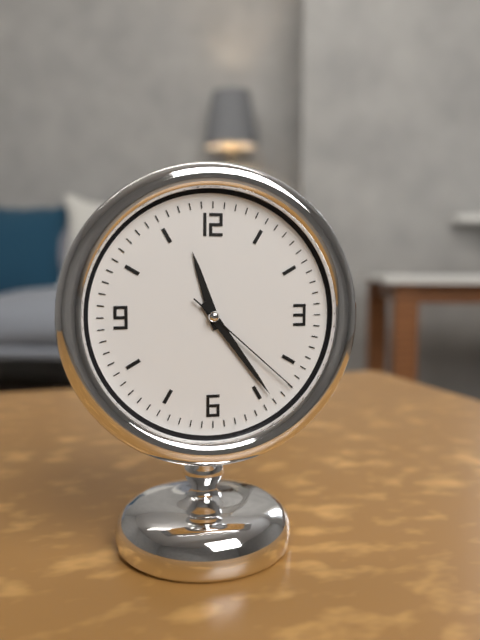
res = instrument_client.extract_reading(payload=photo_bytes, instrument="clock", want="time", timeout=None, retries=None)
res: 11:24:22
